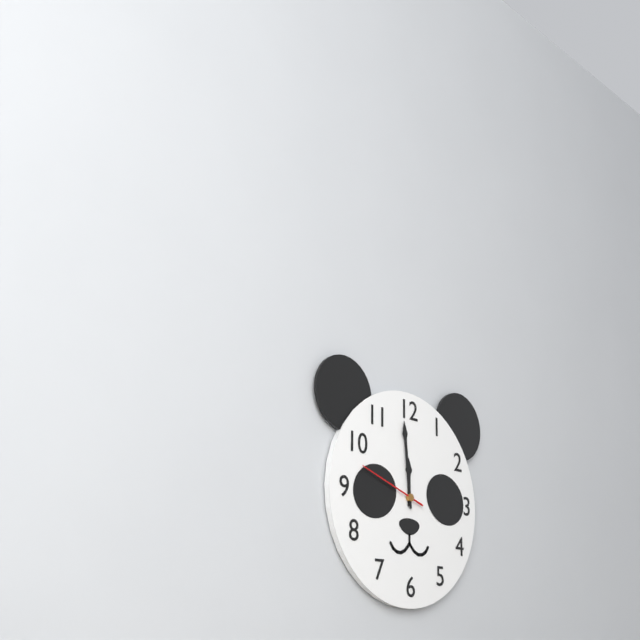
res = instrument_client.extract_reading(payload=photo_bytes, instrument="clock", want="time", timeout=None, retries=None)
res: 11:59:48
